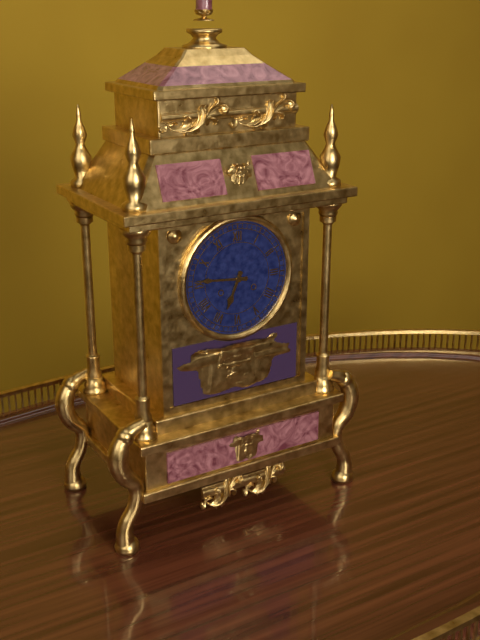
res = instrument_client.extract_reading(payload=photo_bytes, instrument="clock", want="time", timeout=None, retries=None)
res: 6:46
